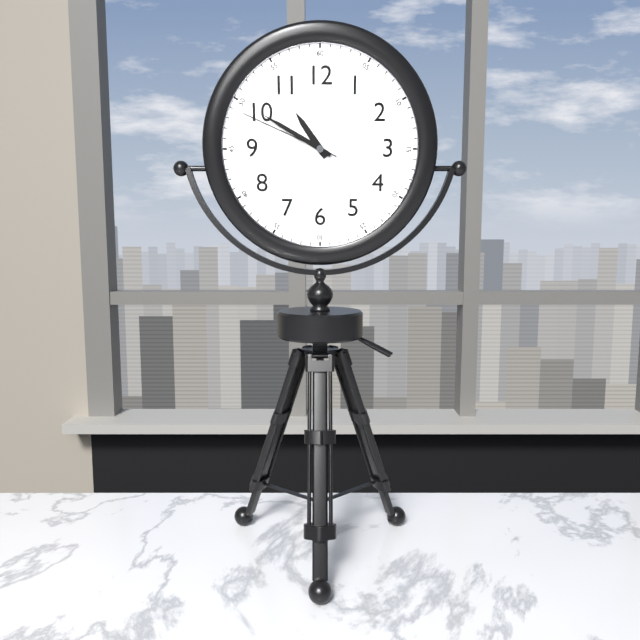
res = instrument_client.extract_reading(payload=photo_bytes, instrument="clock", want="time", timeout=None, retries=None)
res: 10:50:49
